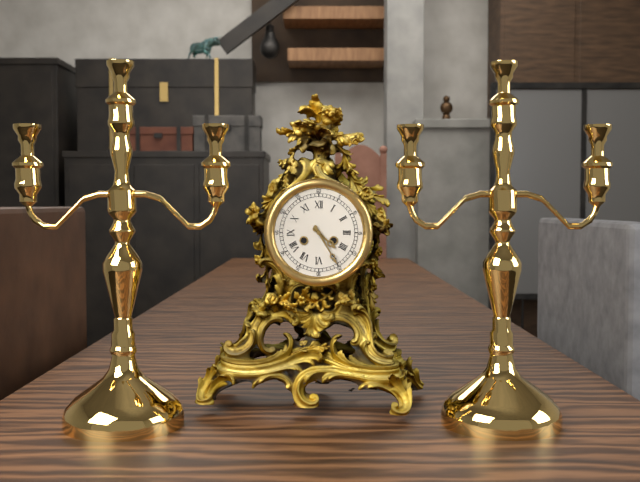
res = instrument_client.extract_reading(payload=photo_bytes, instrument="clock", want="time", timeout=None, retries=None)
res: 4:25
